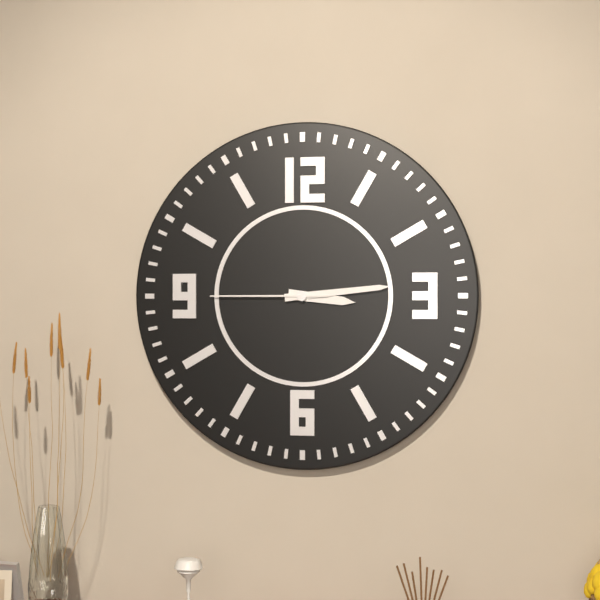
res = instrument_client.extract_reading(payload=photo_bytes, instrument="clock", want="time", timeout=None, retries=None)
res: 3:14:45
